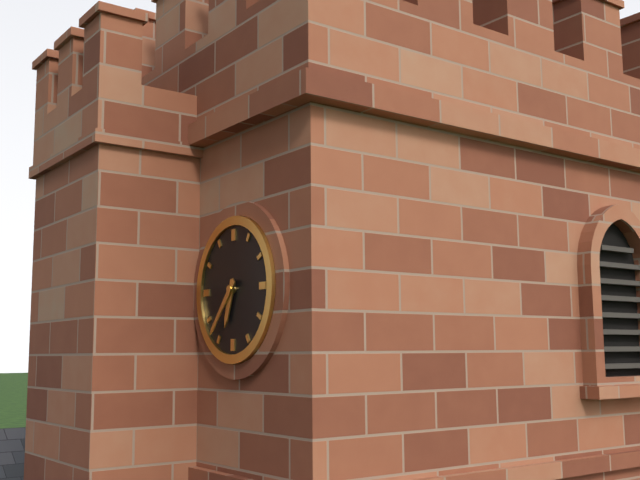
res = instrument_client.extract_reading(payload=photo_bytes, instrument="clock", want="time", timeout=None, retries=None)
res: 6:37
